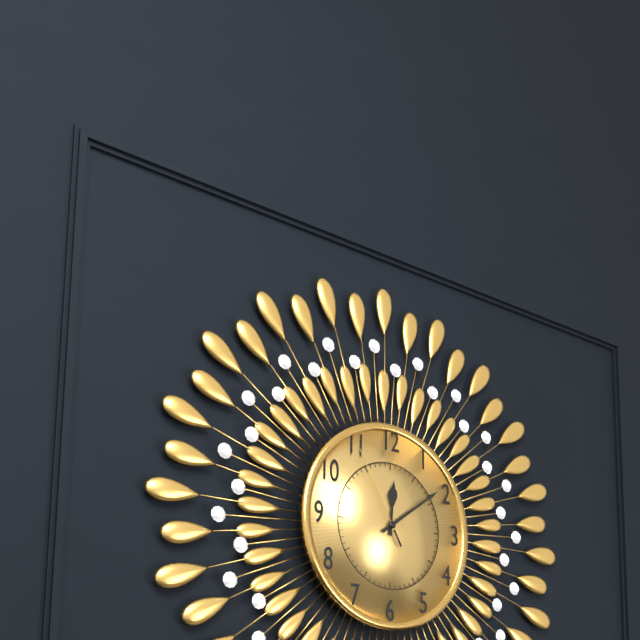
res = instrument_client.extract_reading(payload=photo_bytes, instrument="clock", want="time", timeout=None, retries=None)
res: 12:09:55
